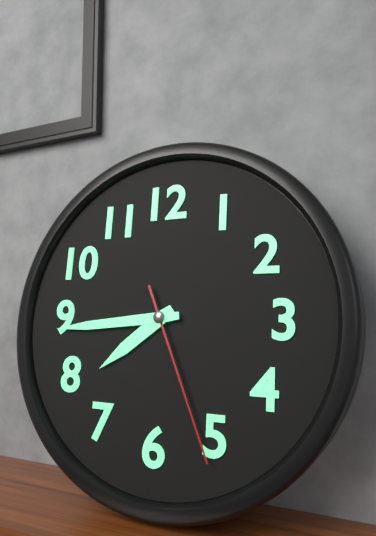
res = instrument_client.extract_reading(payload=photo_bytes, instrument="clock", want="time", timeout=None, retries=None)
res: 7:44:26
